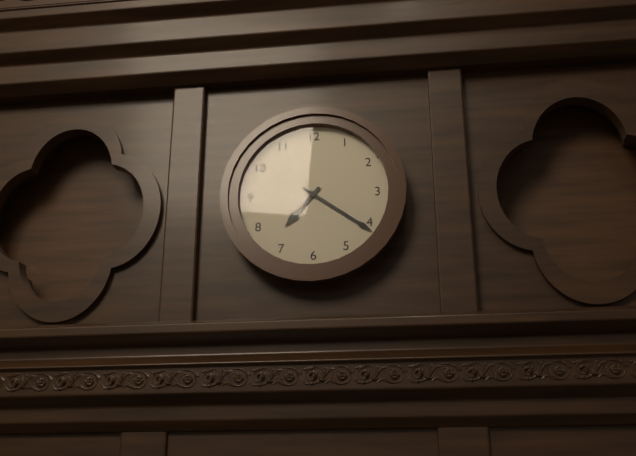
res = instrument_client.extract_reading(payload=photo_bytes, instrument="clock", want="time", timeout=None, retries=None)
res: 7:21
